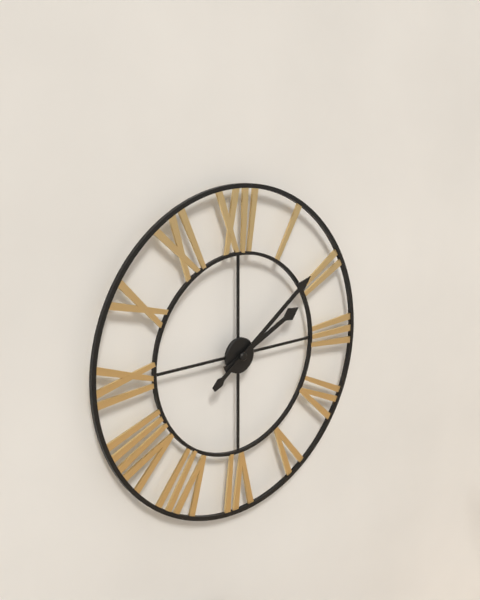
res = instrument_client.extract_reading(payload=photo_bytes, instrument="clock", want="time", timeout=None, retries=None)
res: 2:09
